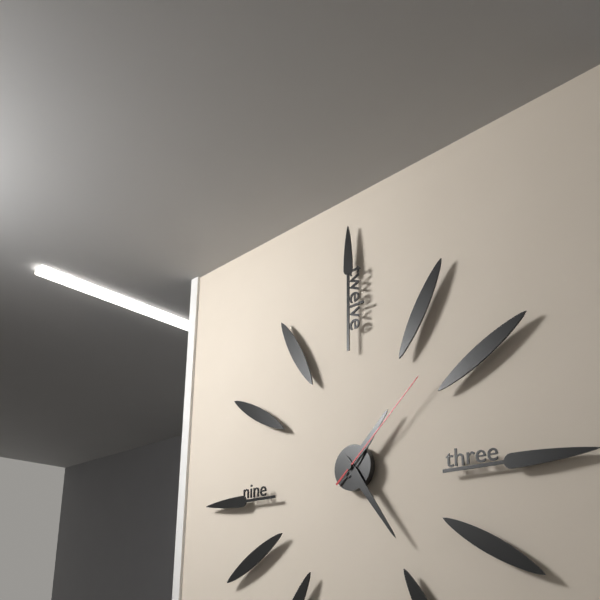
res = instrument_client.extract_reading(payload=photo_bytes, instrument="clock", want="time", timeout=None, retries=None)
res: 1:24:08
